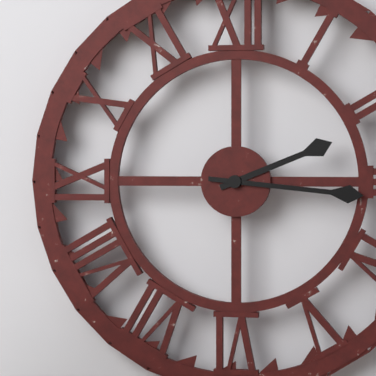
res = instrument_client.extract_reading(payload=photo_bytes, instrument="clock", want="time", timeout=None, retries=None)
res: 2:16
